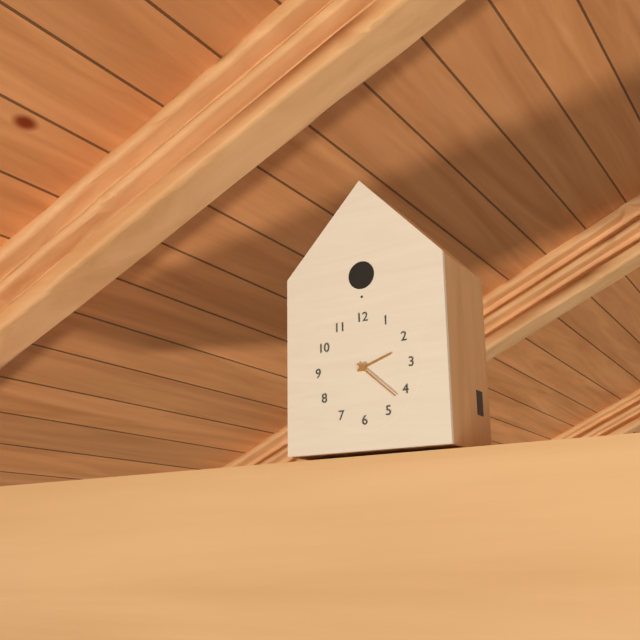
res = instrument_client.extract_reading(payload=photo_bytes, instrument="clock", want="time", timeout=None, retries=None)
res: 2:22
